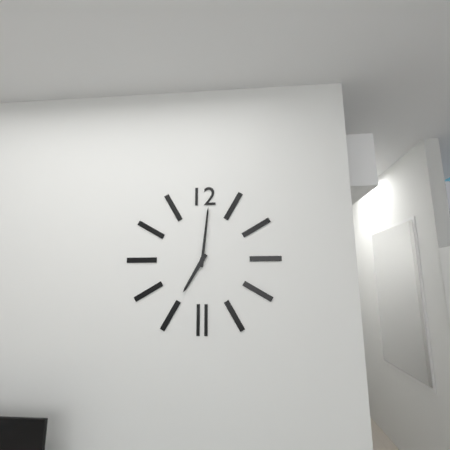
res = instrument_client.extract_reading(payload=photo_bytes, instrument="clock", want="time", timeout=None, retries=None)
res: 7:01
